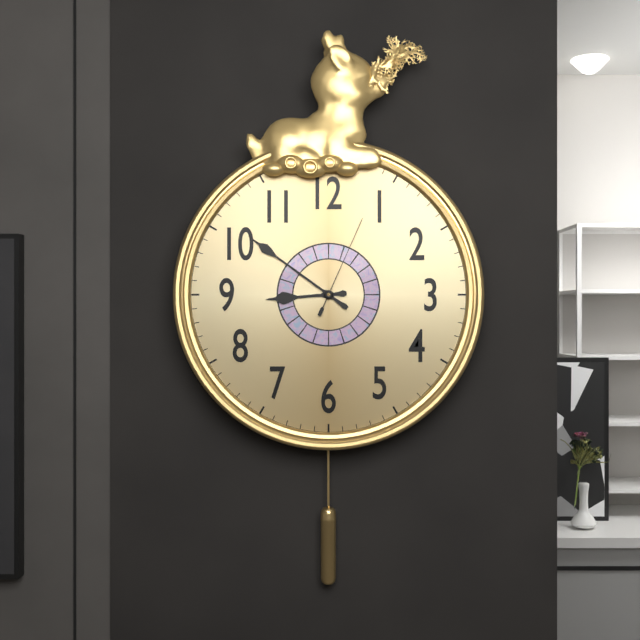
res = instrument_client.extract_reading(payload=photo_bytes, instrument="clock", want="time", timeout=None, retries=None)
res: 8:51:04
